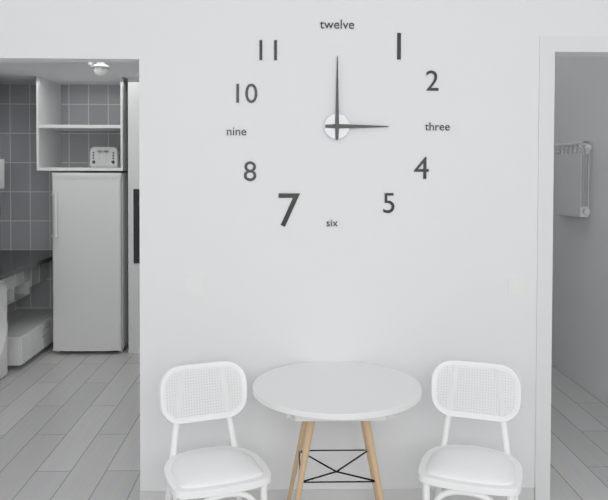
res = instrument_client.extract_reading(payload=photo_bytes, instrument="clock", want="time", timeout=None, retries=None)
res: 3:00
